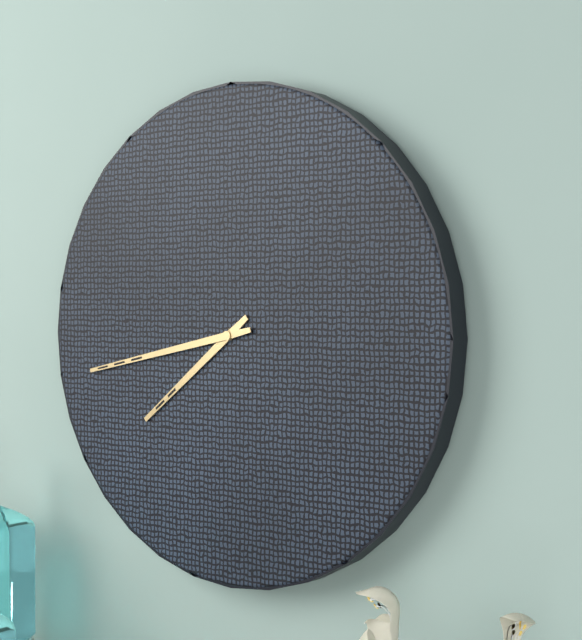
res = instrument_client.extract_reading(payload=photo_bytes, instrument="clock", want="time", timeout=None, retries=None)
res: 7:43
